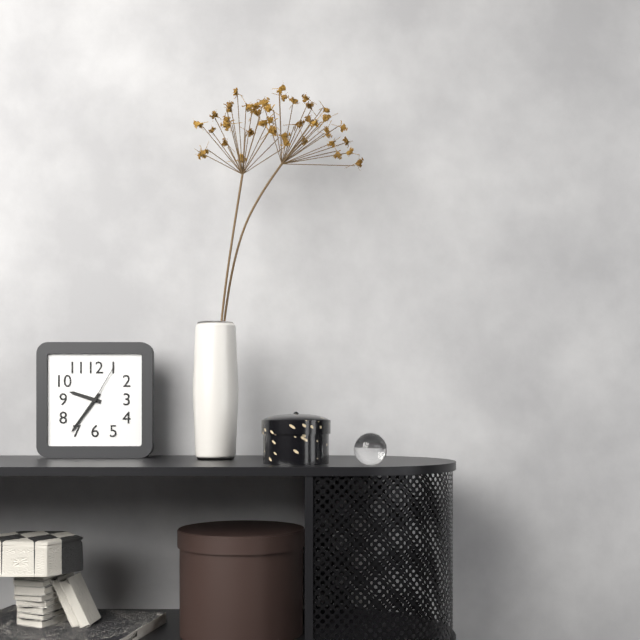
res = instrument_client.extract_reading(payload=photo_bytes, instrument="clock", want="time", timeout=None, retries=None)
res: 9:36
